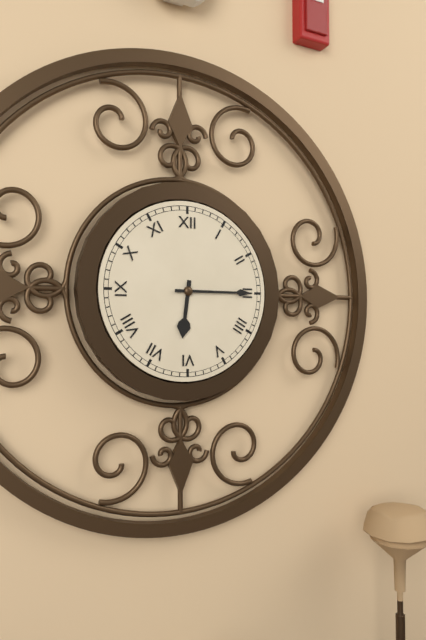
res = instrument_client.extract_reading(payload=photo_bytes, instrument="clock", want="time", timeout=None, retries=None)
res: 6:15
